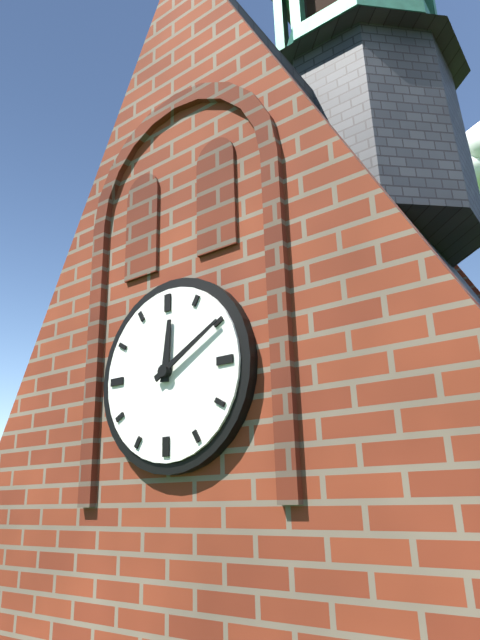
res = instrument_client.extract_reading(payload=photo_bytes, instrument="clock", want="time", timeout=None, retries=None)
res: 12:10
